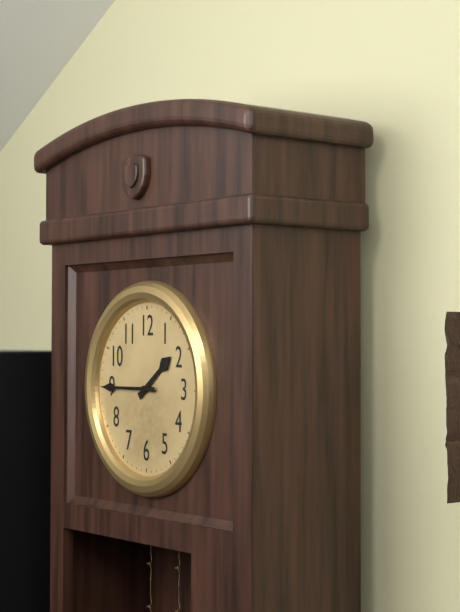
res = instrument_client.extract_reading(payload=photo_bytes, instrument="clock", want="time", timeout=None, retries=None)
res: 1:45
